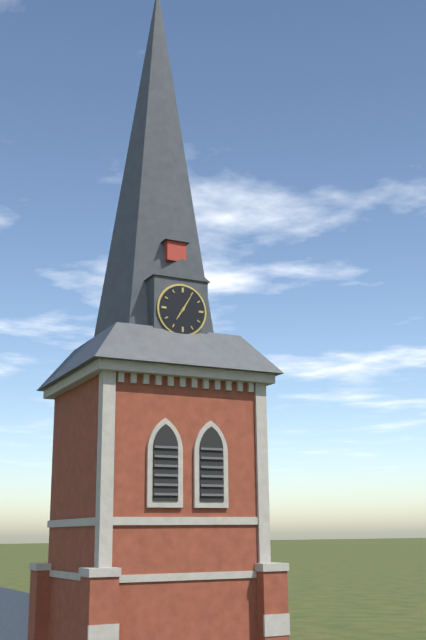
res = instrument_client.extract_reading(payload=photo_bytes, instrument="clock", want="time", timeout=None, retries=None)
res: 7:05
